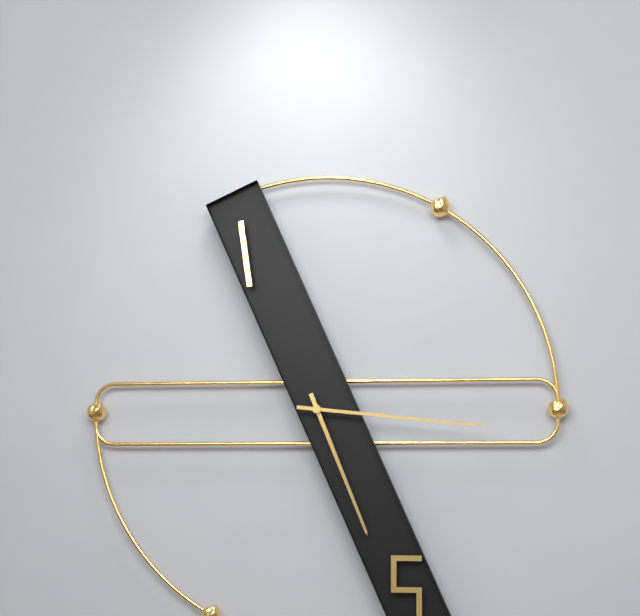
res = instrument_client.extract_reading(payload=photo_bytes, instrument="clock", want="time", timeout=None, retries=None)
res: 5:16
